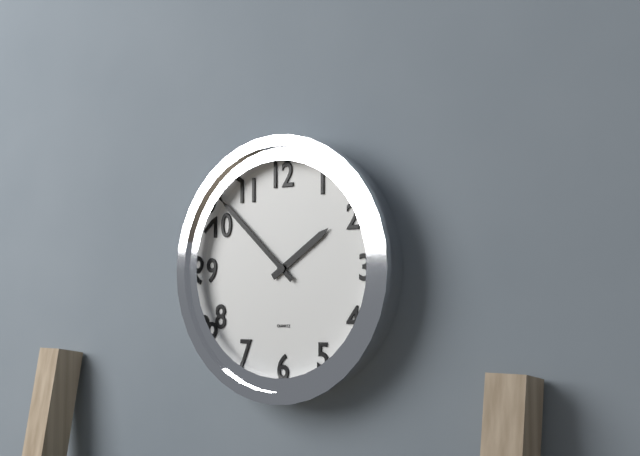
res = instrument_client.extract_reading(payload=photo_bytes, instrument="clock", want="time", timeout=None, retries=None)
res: 1:52
